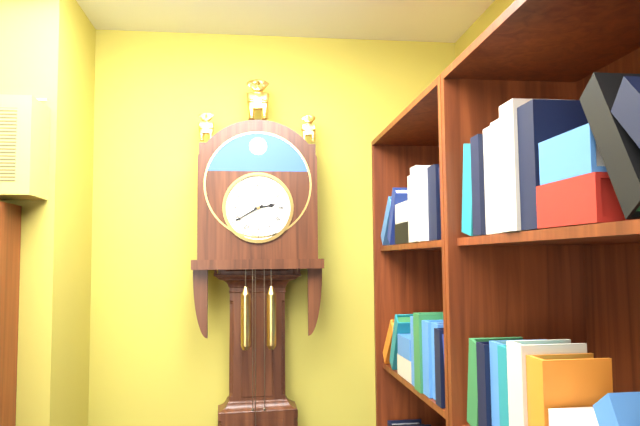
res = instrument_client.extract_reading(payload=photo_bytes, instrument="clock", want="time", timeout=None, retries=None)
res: 2:40
